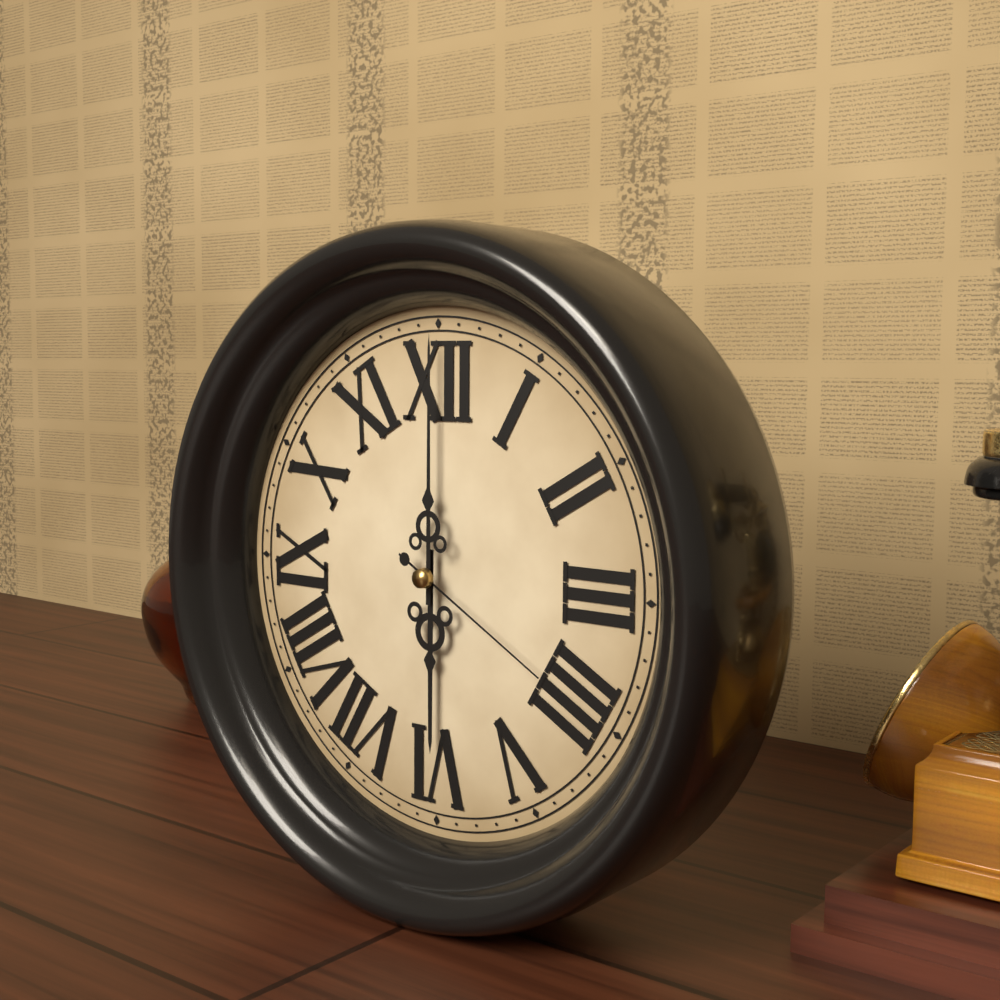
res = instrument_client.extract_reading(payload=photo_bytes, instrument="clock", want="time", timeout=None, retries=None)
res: 6:00:20
